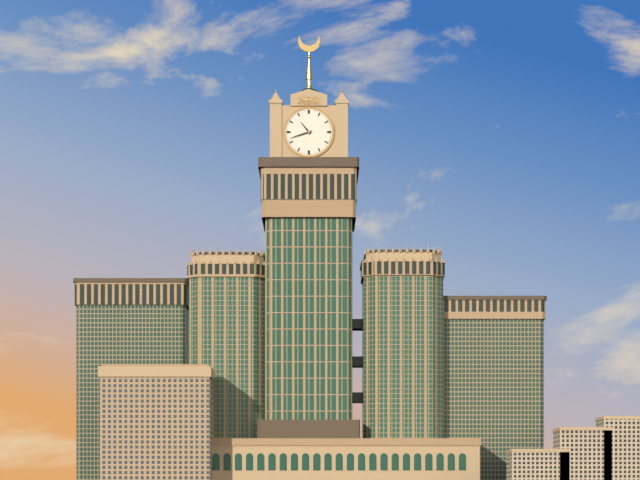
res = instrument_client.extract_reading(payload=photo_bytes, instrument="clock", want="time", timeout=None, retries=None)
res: 10:42
